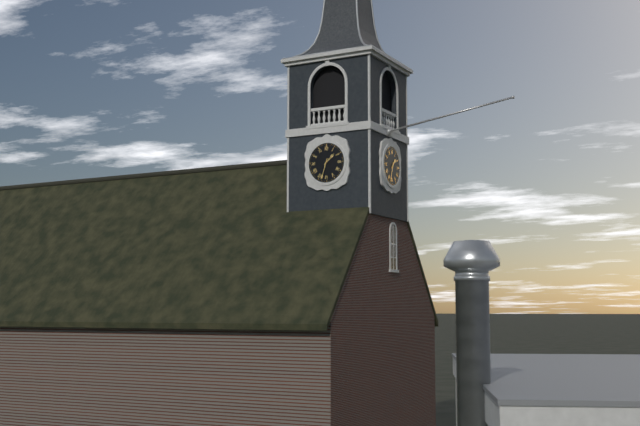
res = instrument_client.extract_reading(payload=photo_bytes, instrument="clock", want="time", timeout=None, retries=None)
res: 1:33
